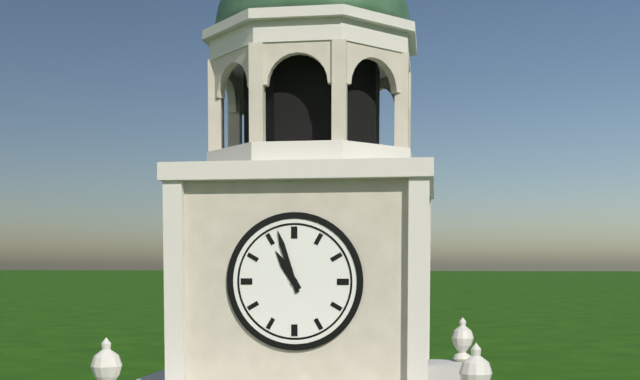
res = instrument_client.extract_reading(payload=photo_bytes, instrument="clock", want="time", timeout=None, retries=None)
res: 10:57
